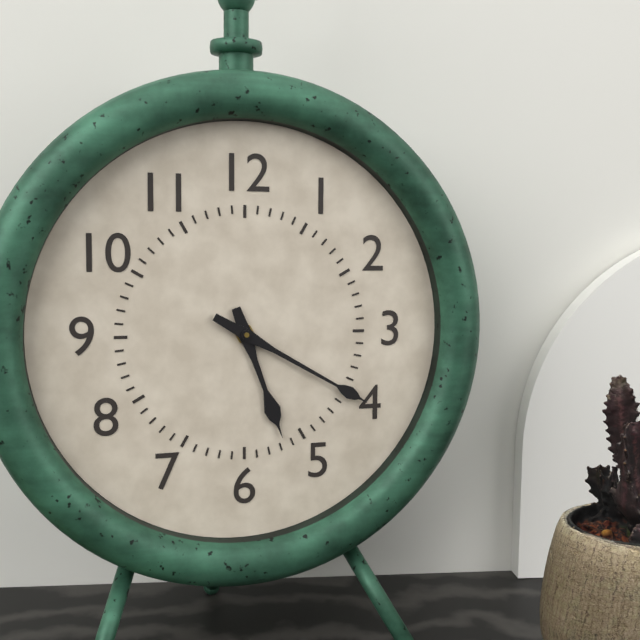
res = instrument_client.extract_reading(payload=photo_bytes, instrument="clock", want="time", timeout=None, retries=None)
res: 5:20
